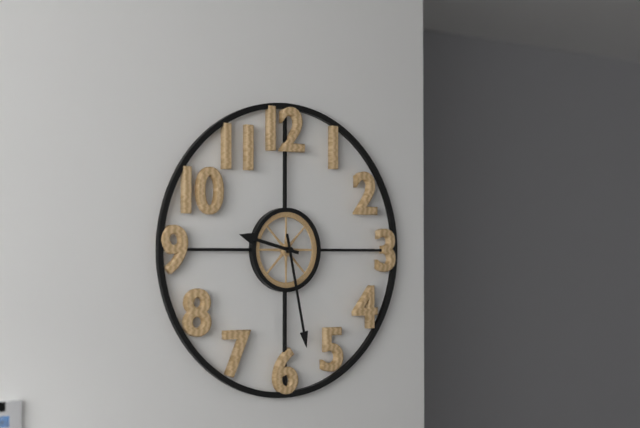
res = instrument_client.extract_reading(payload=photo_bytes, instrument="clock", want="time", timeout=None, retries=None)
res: 9:28
